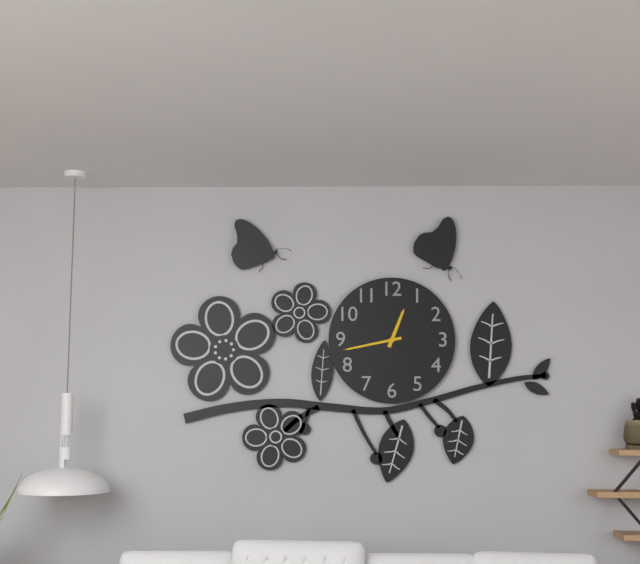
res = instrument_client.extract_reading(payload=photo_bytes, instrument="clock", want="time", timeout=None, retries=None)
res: 12:43
